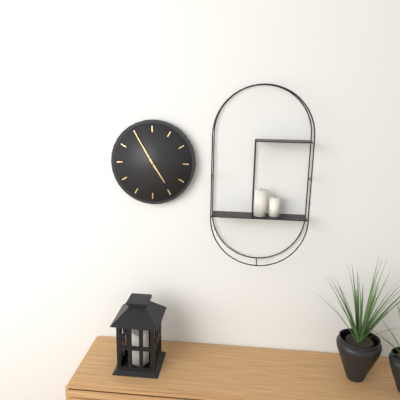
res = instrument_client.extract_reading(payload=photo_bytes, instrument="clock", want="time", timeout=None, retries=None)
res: 4:55
